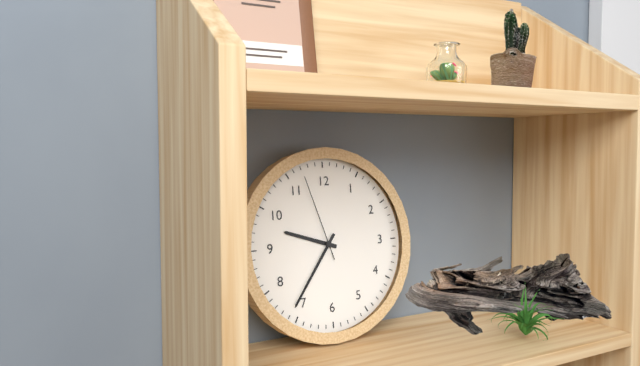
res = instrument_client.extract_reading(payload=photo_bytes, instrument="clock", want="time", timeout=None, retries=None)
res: 9:36:57
